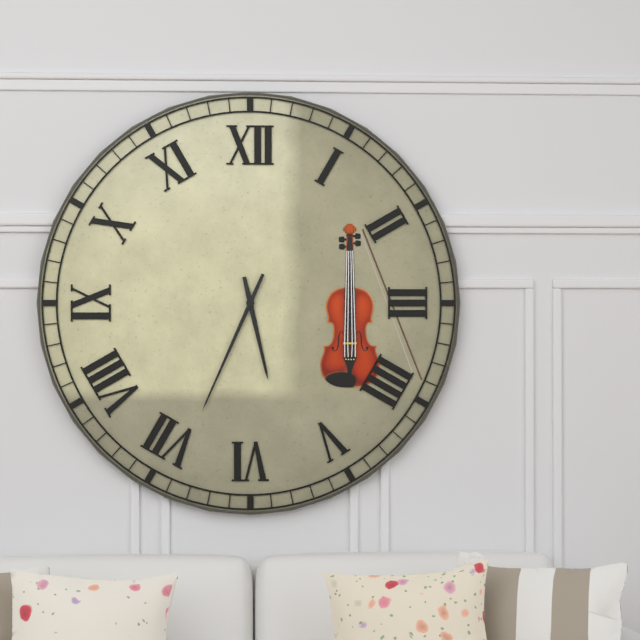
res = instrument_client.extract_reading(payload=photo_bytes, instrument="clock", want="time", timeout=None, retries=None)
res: 5:34
